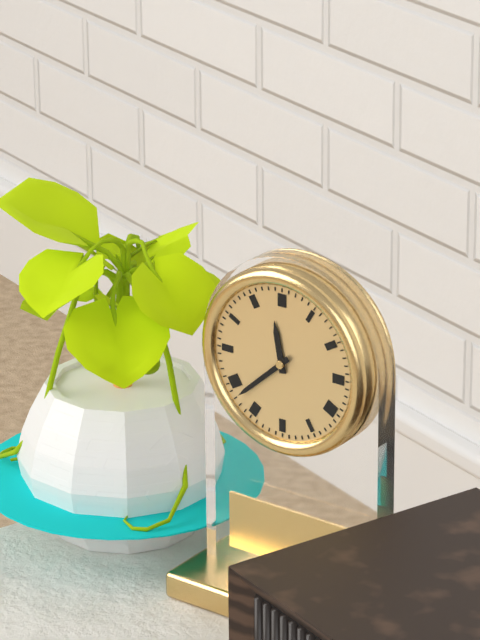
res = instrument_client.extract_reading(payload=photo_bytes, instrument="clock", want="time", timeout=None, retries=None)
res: 11:38
